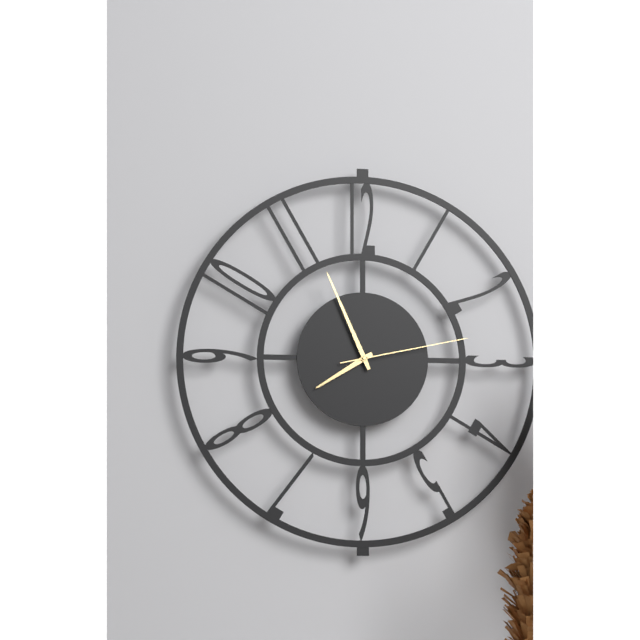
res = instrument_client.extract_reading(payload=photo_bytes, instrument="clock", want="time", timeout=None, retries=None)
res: 7:56:13
